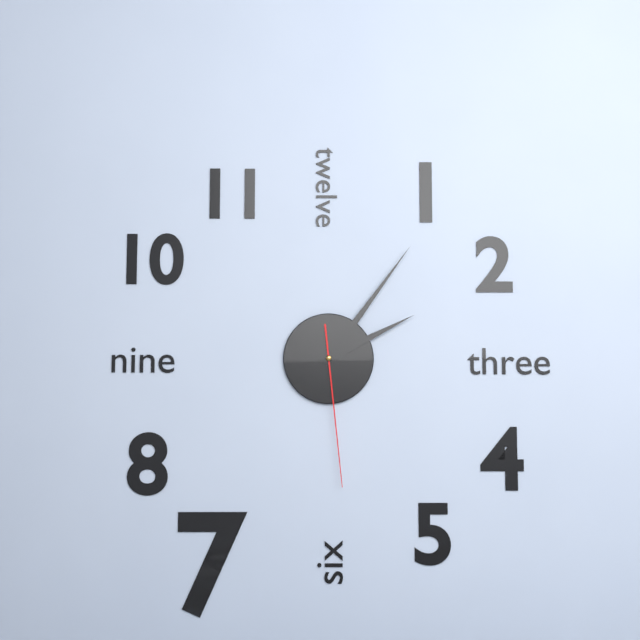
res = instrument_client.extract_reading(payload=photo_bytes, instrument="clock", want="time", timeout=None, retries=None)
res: 2:06:29
